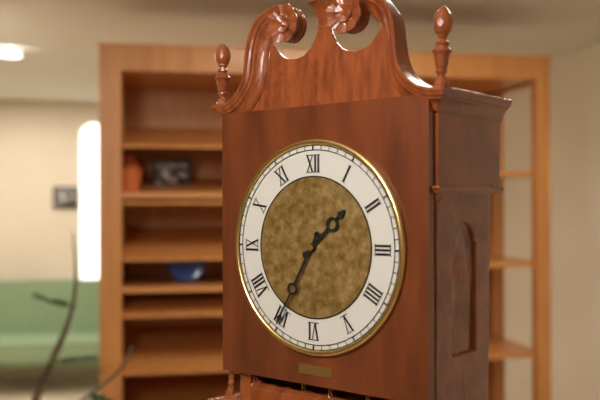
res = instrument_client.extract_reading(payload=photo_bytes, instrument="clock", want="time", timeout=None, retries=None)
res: 1:35
